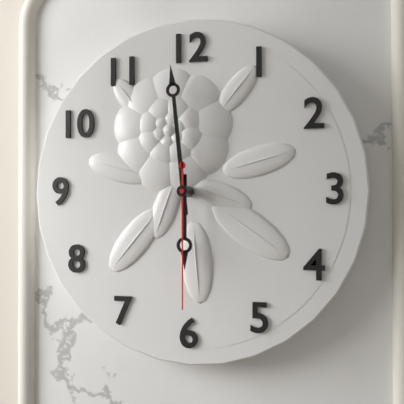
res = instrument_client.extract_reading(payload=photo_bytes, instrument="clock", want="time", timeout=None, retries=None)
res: 5:59:30
